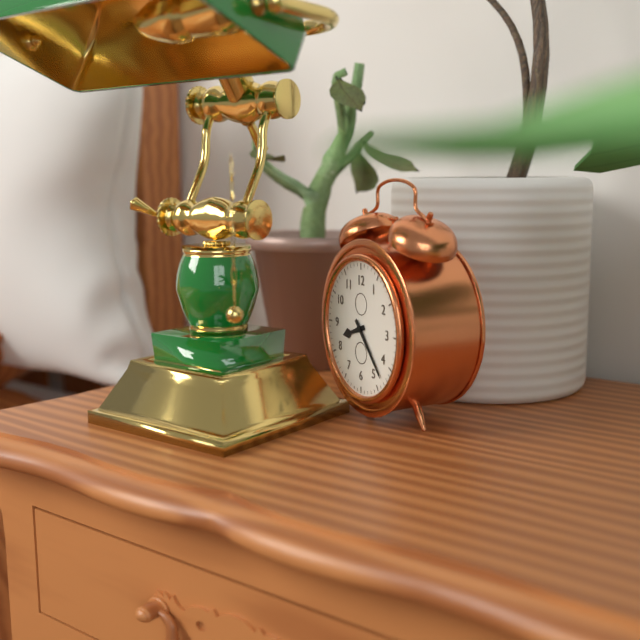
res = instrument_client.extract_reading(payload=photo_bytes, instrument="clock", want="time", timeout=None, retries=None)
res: 8:23
